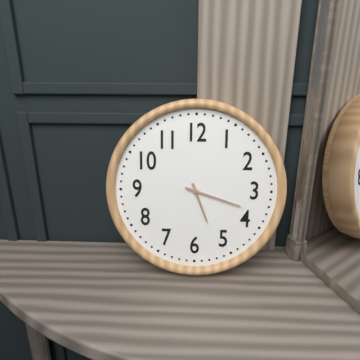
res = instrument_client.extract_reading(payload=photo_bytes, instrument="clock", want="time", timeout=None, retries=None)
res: 5:18
